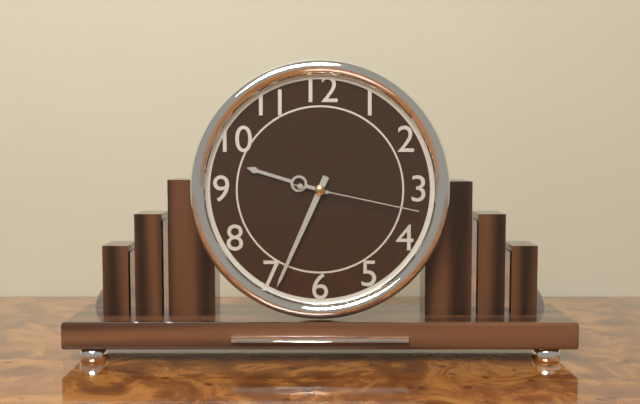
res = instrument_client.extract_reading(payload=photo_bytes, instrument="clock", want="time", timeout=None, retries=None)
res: 9:34:17
